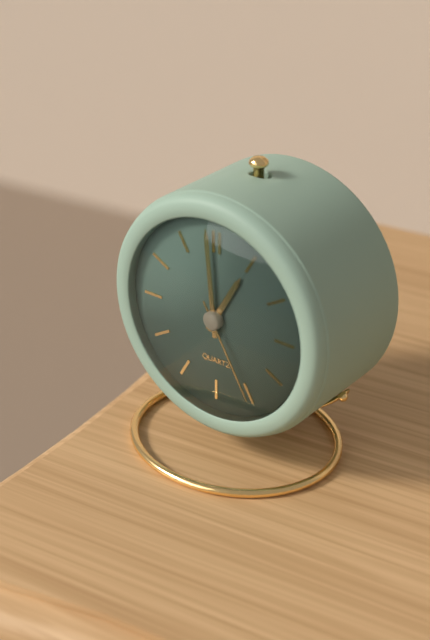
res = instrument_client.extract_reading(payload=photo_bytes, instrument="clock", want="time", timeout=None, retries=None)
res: 12:59:25
